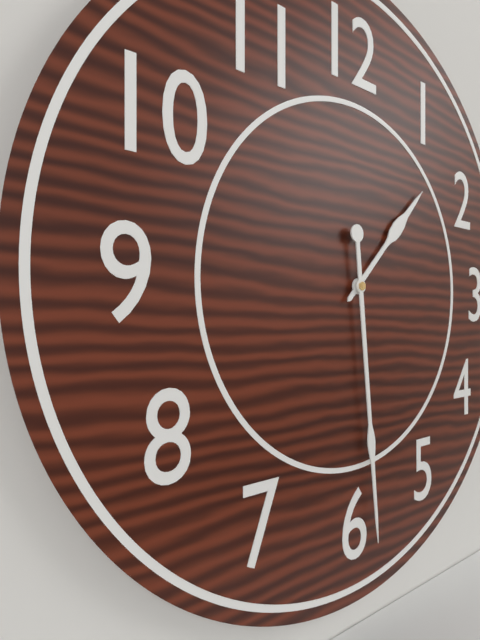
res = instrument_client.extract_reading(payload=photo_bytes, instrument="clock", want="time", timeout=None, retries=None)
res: 1:29
